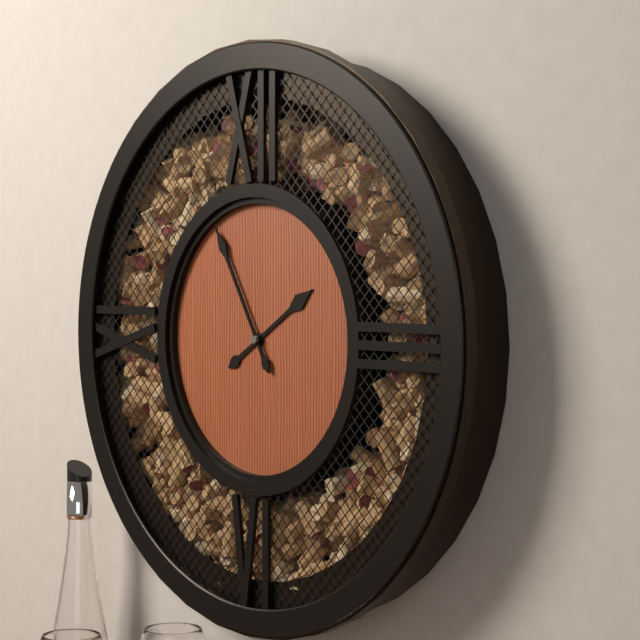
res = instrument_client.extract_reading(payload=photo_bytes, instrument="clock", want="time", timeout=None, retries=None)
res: 1:55
